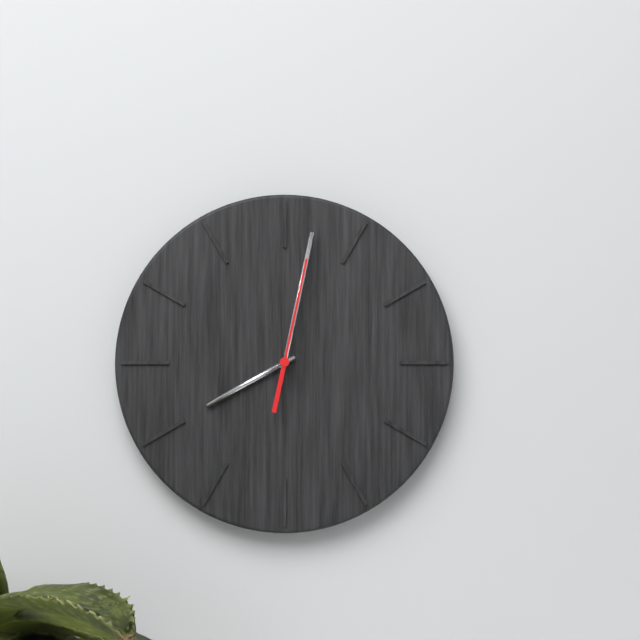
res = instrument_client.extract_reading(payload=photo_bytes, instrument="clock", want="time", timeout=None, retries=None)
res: 8:02:02
